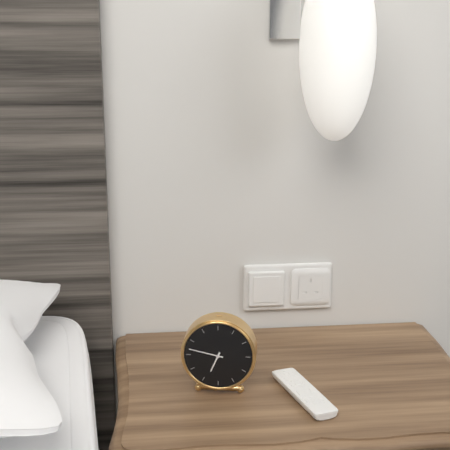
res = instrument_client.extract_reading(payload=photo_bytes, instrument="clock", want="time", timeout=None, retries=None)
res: 6:47
